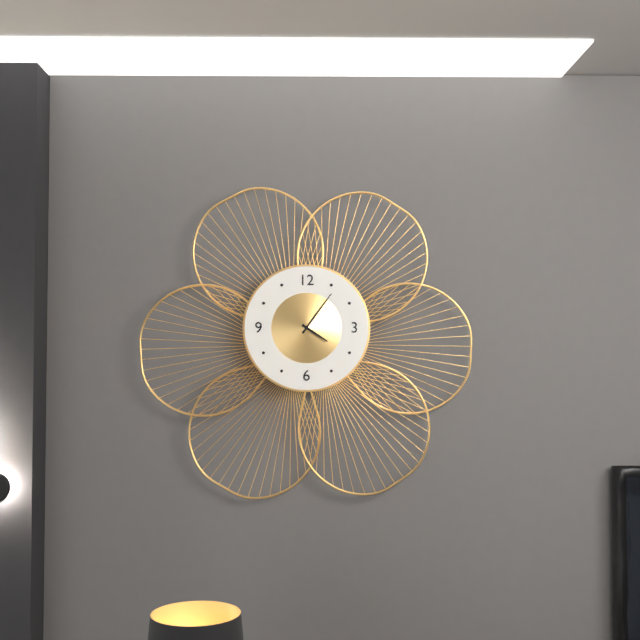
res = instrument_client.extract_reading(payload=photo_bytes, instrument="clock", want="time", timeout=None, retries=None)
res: 4:06
